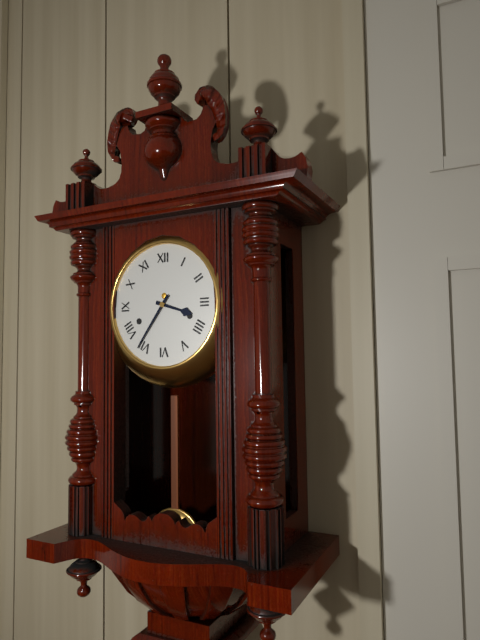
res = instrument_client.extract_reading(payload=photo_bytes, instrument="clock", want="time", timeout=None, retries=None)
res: 3:36
